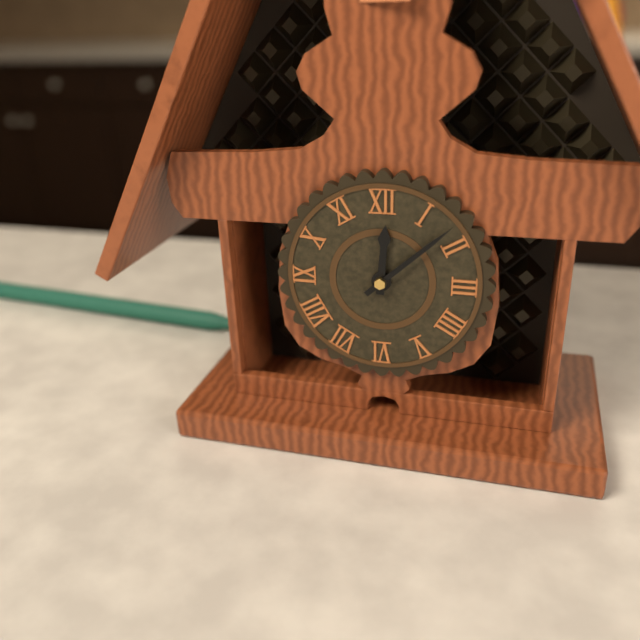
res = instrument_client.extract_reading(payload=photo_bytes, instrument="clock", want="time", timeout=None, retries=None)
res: 12:08
